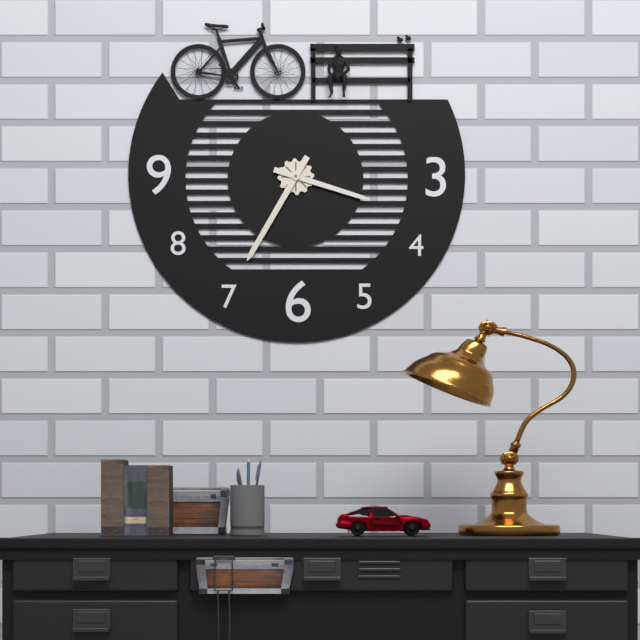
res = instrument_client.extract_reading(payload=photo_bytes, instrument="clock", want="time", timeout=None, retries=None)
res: 3:35
